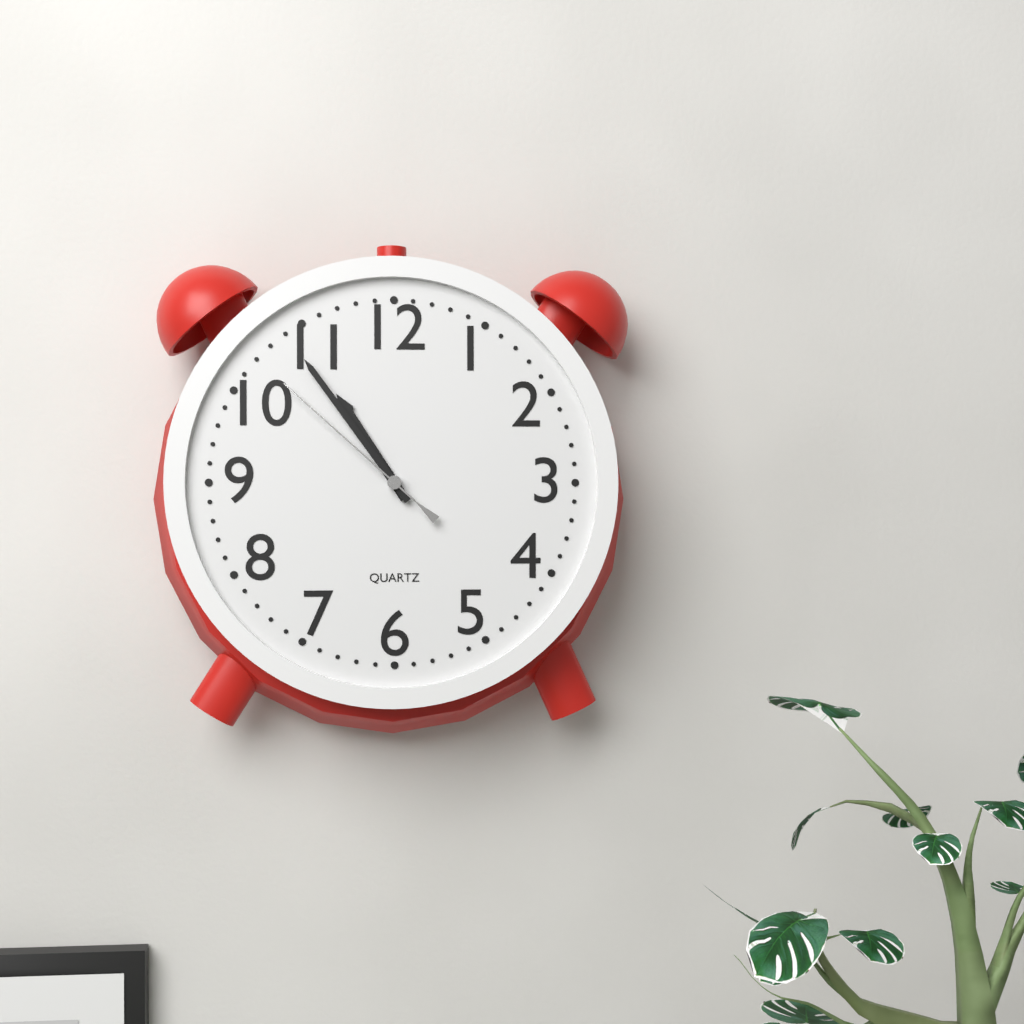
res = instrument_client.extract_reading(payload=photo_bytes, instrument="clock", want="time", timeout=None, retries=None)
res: 10:54:52
